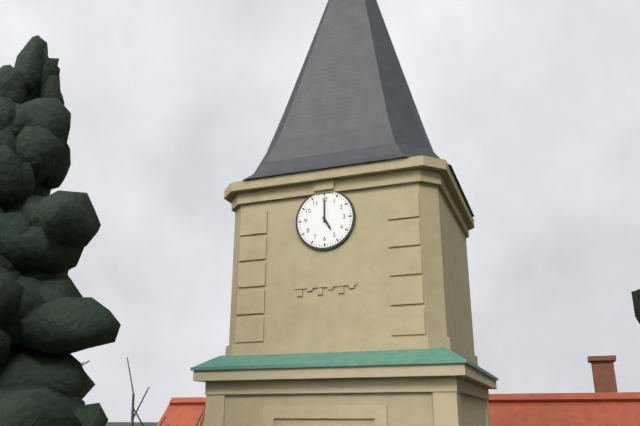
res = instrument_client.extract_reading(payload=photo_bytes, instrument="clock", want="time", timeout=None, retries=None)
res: 5:00
